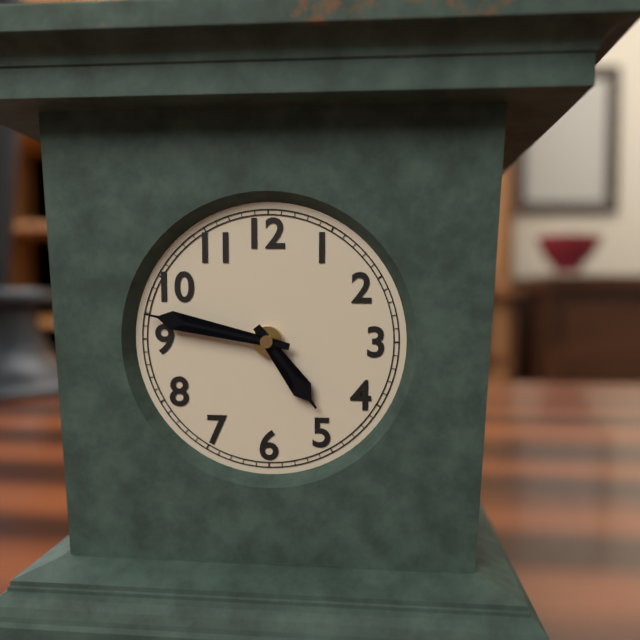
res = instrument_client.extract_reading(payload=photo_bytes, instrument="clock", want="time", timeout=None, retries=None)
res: 4:47
